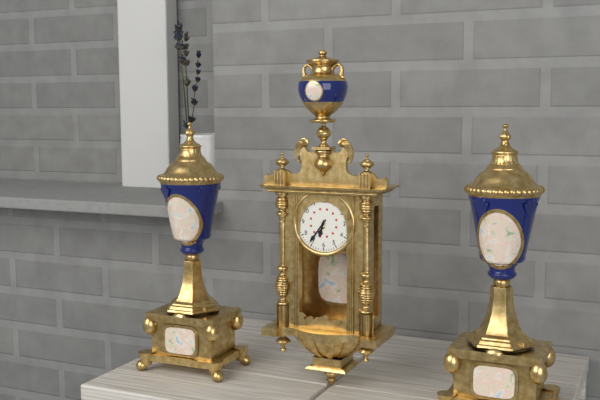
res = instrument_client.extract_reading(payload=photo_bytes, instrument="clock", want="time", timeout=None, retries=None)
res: 6:36
